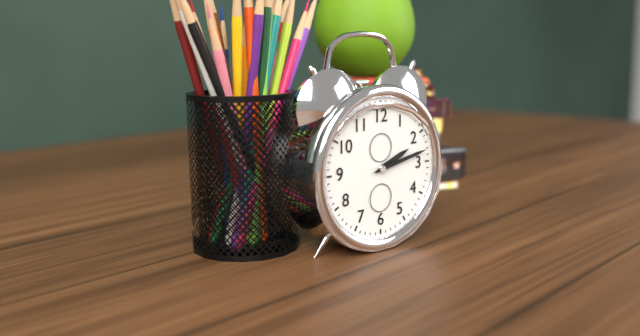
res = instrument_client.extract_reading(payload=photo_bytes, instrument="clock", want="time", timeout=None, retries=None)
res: 2:13
